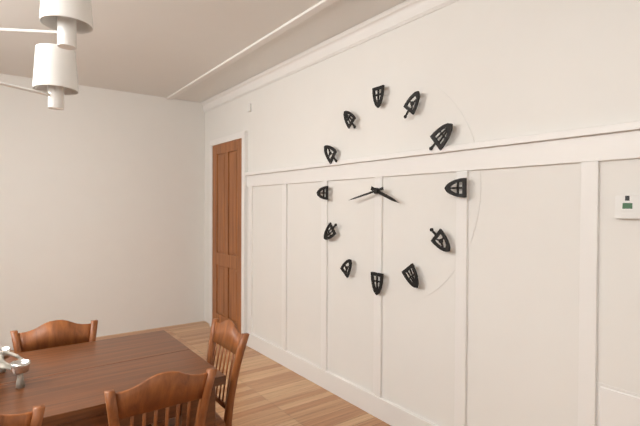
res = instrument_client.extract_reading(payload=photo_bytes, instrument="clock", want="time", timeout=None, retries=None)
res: 3:43
